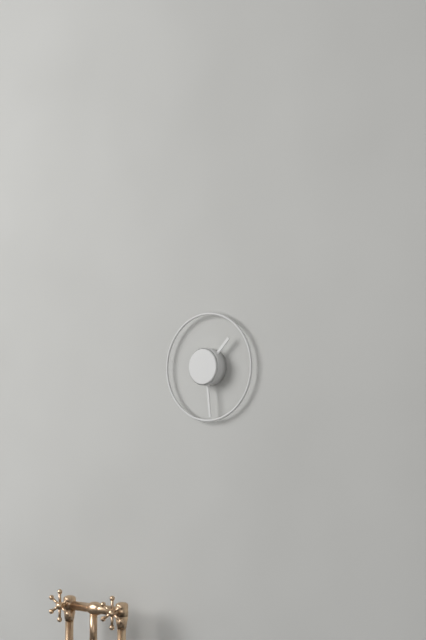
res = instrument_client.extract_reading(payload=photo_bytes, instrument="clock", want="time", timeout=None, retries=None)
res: 1:29
